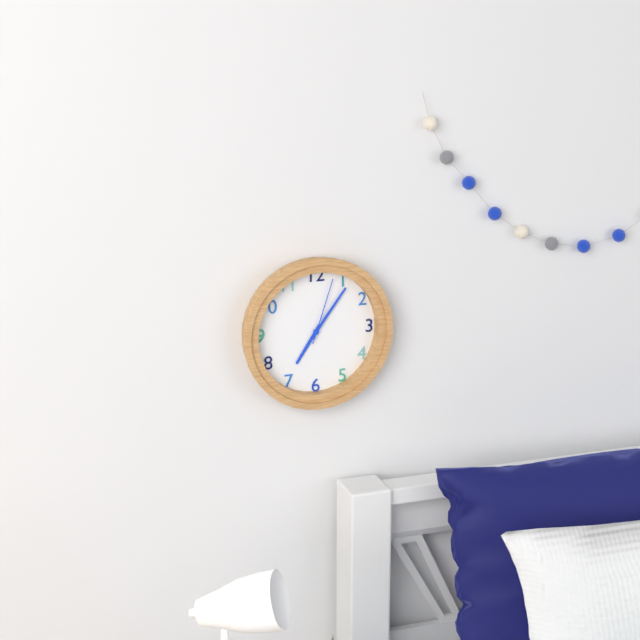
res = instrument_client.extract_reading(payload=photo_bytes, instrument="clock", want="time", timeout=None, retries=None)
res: 7:06:03
